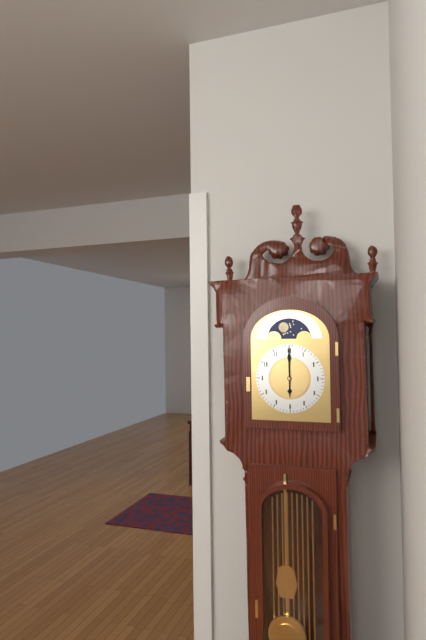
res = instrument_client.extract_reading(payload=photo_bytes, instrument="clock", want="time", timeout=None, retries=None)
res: 6:00
